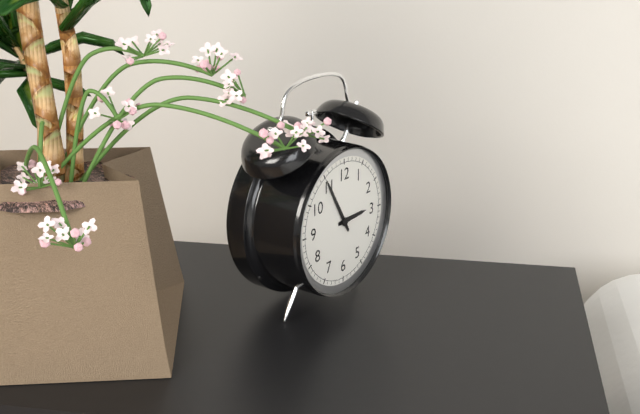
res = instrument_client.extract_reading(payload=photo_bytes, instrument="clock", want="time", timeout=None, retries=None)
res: 2:55
